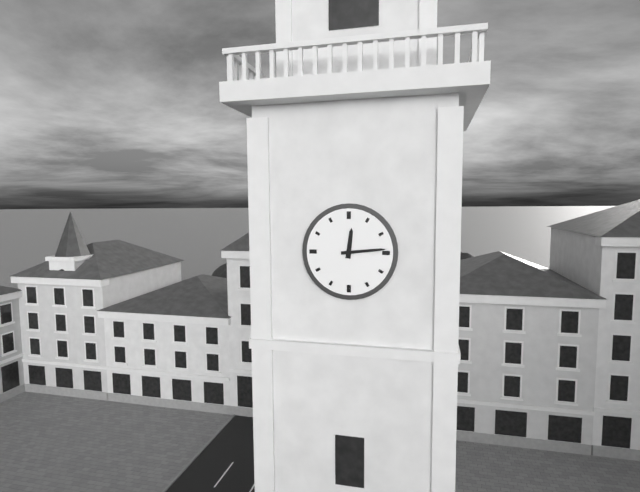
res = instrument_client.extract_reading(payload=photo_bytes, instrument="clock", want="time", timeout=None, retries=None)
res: 12:14
